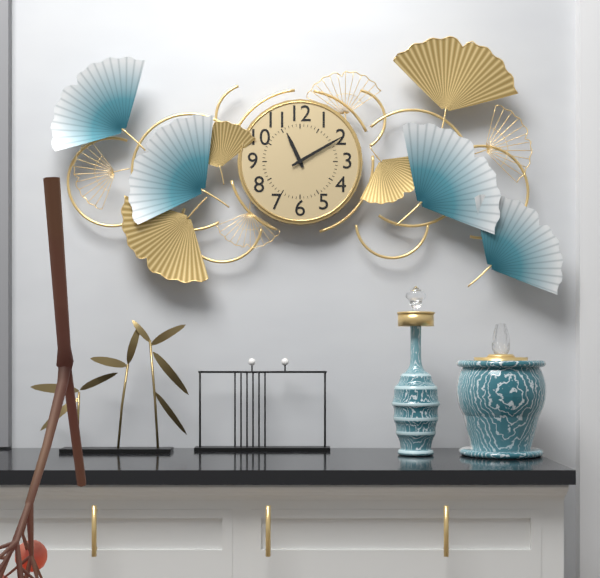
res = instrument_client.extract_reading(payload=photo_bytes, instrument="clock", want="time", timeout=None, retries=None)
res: 11:10
